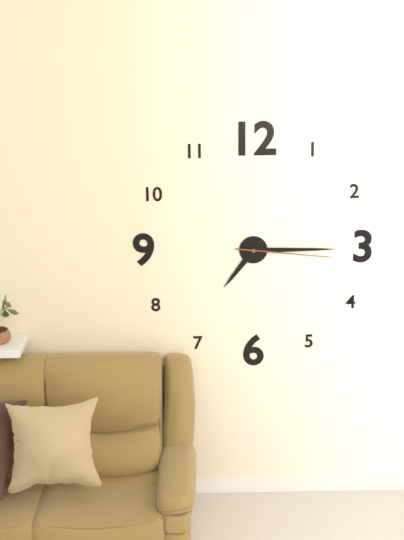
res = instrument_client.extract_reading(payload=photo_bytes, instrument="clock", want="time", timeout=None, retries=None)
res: 7:15:16
